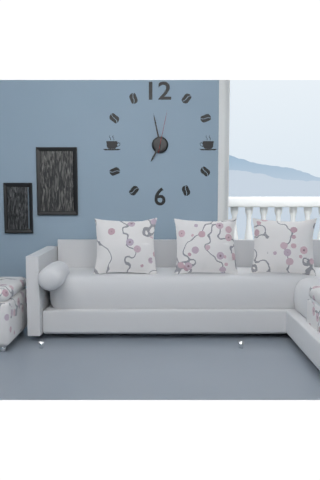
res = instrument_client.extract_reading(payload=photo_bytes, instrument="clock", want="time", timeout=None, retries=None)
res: 6:58
